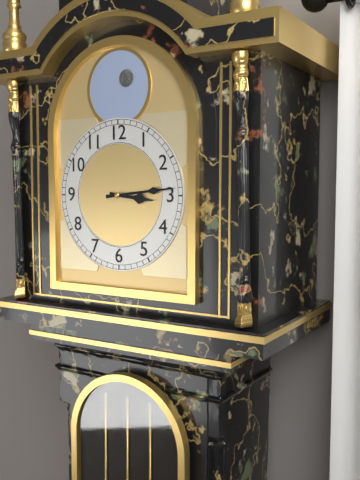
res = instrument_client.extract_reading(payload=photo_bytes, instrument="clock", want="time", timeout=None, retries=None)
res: 3:14
